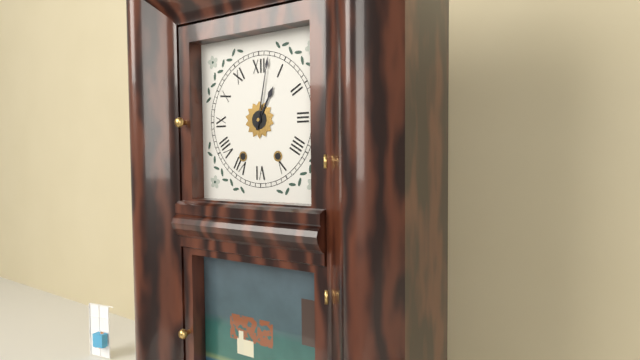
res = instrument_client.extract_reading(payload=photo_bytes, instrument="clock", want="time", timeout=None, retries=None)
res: 1:02
